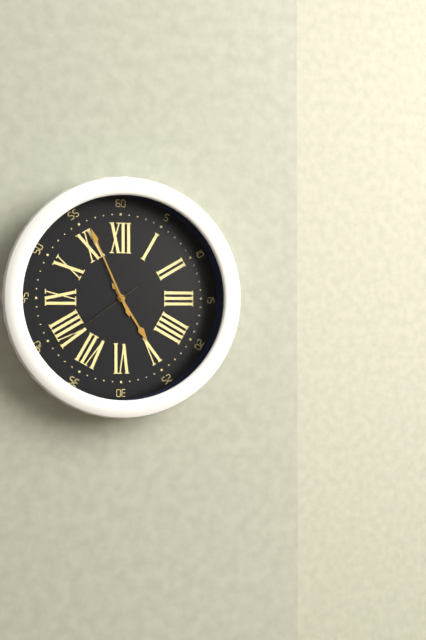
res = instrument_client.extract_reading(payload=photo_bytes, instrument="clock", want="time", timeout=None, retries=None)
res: 4:56:39
